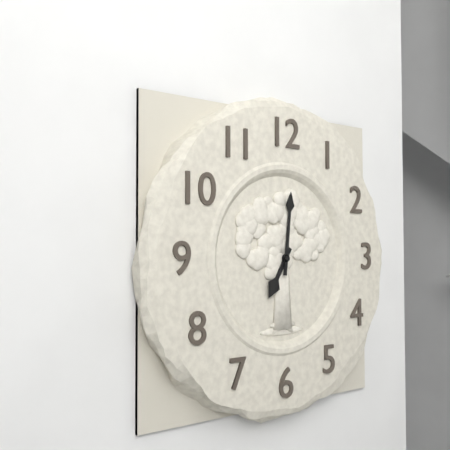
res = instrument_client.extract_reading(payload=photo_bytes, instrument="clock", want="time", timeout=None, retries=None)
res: 7:01
